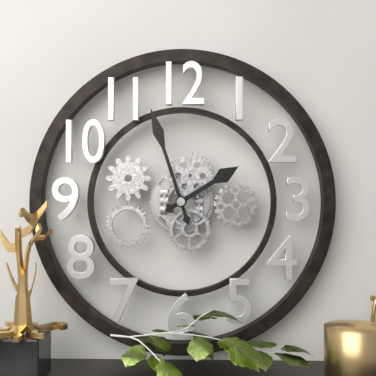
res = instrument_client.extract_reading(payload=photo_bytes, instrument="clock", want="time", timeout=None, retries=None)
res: 1:57
